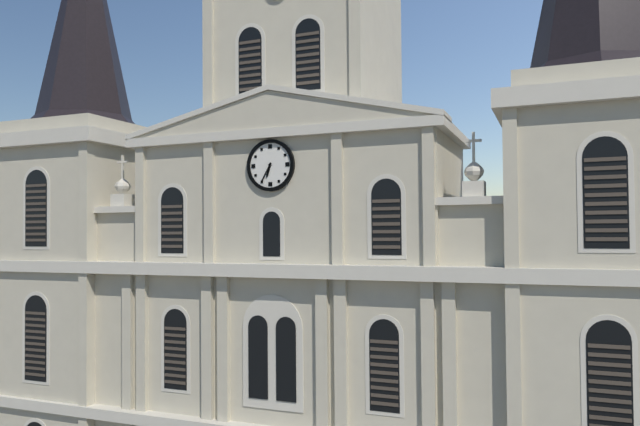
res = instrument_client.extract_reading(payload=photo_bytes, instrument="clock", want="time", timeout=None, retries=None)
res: 6:35
